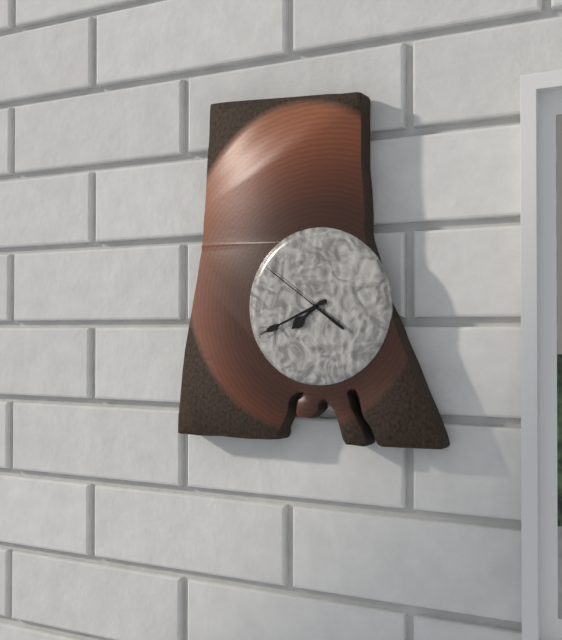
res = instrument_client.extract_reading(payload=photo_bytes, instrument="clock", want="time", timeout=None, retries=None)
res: 7:41:51
